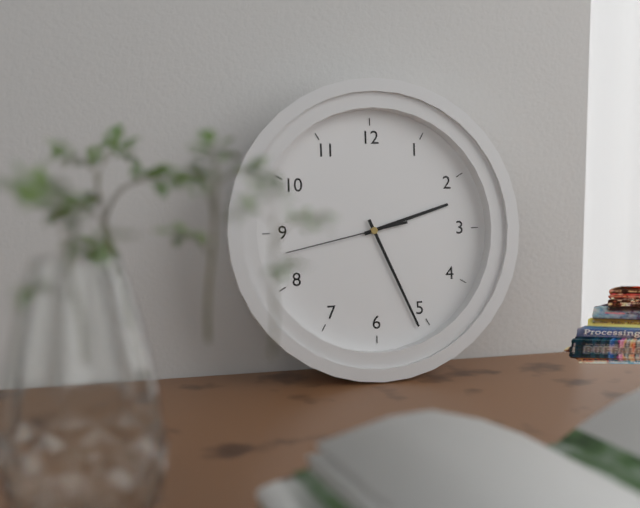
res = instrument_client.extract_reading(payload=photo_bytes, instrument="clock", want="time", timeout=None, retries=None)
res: 2:26:43
